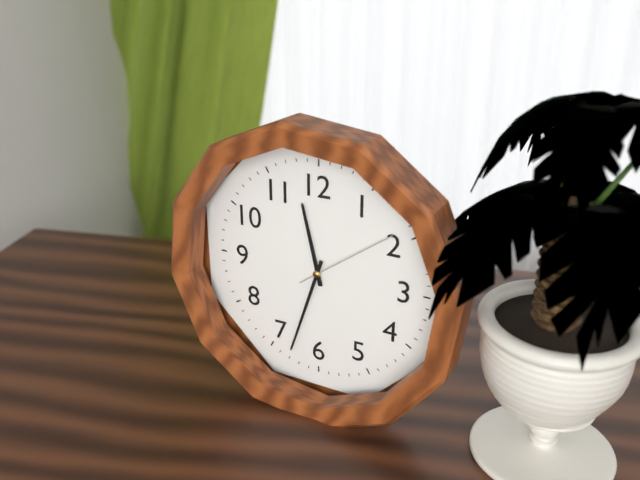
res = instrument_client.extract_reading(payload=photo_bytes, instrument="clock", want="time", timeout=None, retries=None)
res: 11:33:09
